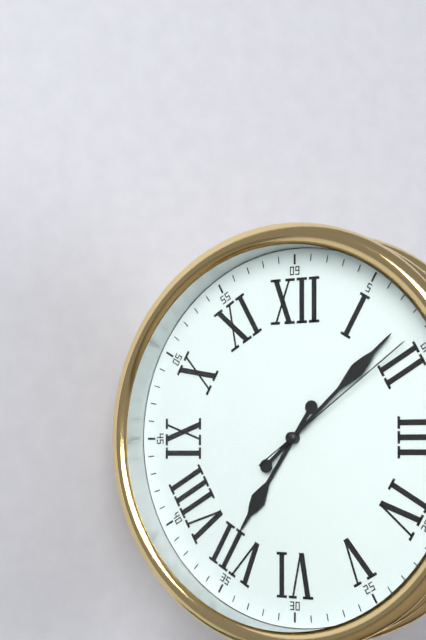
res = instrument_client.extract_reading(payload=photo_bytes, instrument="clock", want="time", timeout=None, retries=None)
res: 7:08:09
